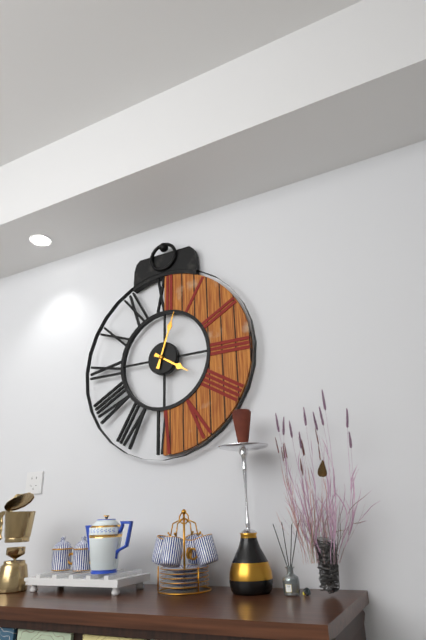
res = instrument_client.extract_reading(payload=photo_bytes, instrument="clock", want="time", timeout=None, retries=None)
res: 4:03
